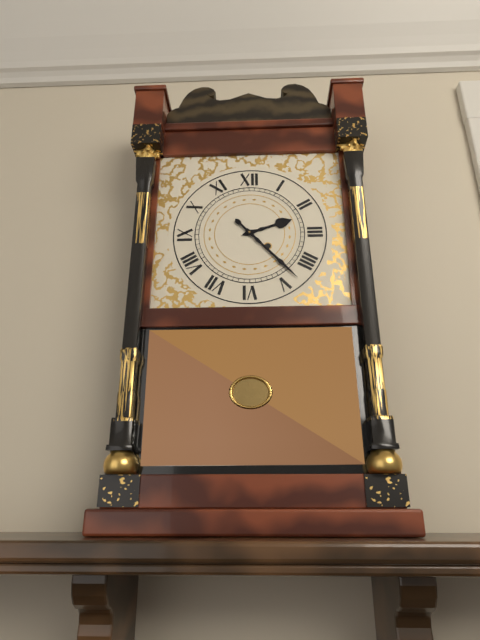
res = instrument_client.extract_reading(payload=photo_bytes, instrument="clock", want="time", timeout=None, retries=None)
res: 2:23
